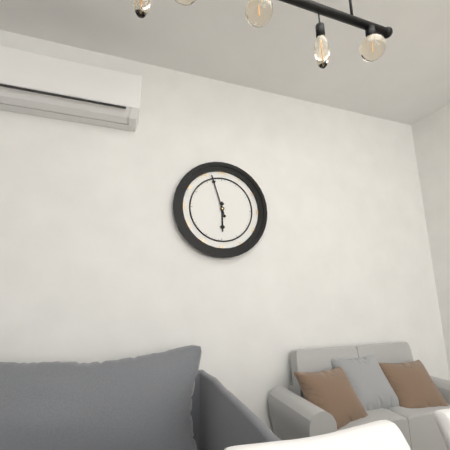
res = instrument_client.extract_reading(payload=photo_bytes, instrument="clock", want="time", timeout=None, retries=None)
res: 5:57
